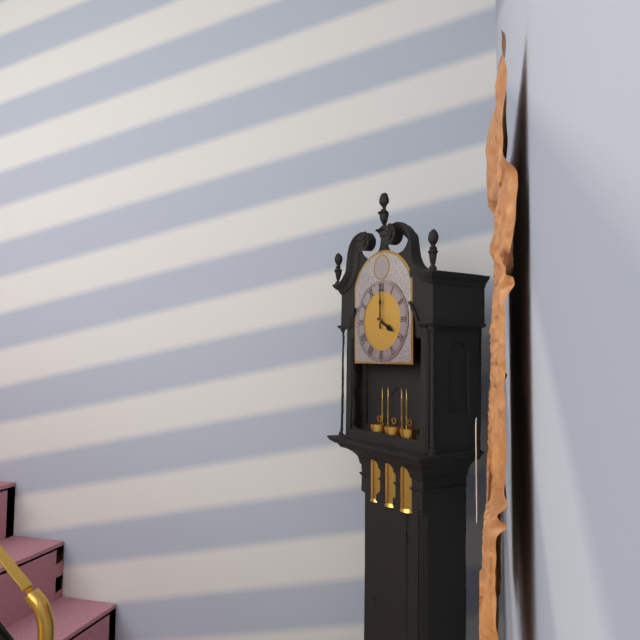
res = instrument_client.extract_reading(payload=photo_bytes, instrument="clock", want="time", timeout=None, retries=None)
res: 4:00
